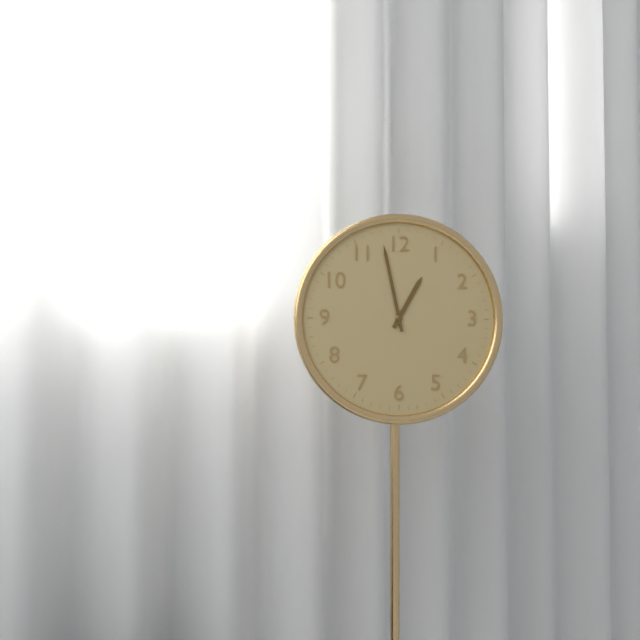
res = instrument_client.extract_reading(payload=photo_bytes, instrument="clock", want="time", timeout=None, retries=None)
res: 12:58
